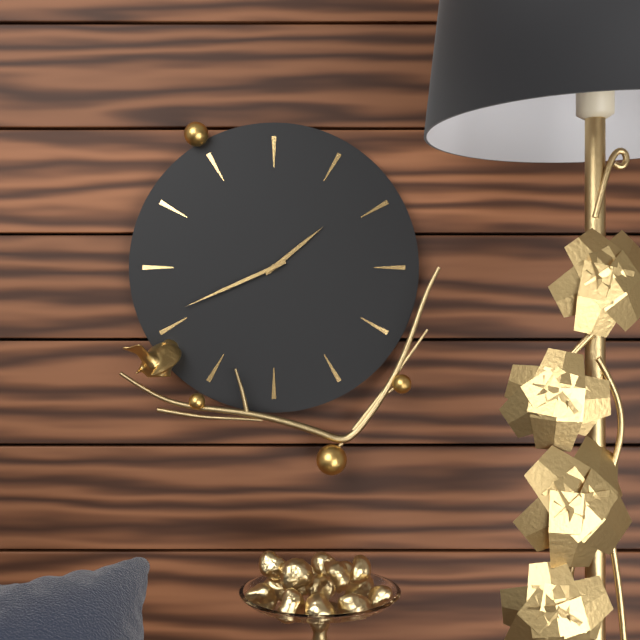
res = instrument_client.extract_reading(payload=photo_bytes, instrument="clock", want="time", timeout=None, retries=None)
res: 1:41
